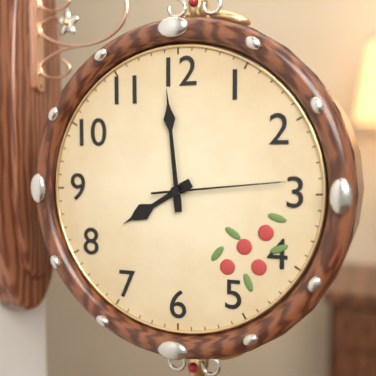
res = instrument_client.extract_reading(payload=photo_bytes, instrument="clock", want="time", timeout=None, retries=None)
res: 7:59:14
